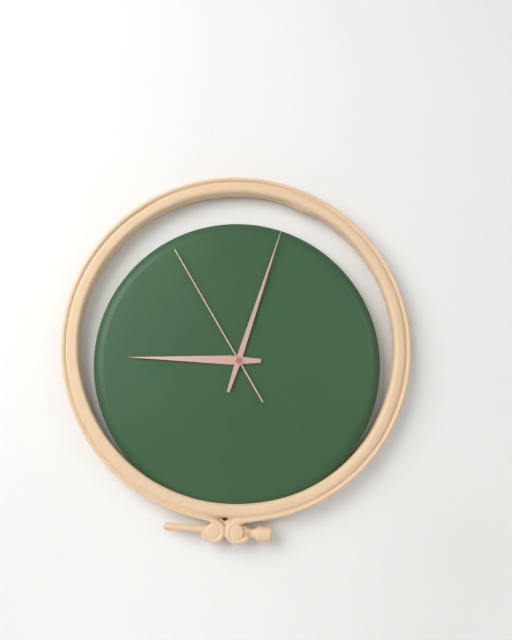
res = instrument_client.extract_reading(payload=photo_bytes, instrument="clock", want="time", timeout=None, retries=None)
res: 9:03:55
